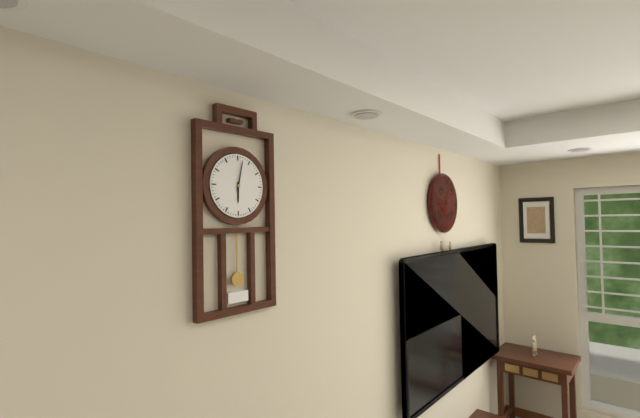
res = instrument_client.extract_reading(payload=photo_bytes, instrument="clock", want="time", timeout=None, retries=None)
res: 6:02
